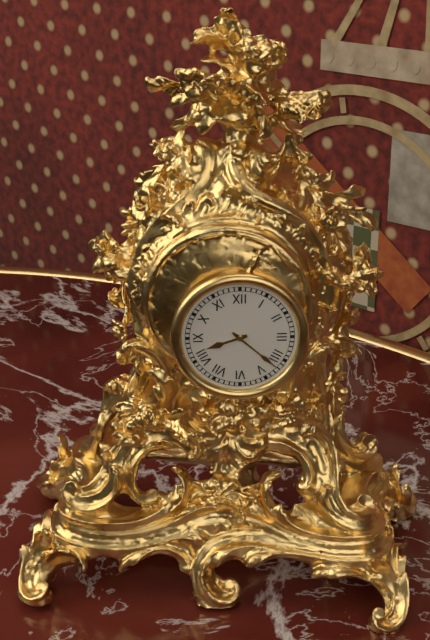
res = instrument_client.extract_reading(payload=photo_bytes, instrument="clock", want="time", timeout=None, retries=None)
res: 8:22
